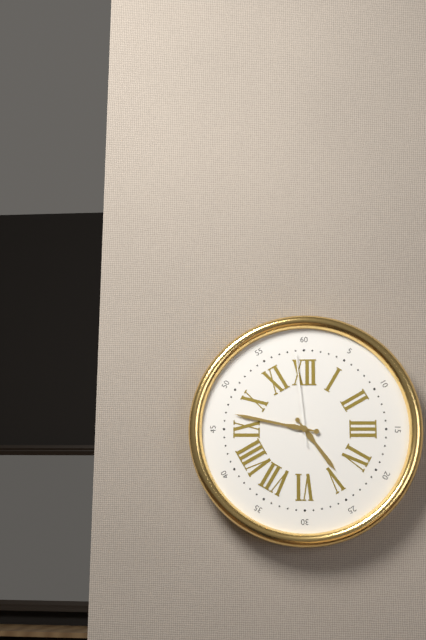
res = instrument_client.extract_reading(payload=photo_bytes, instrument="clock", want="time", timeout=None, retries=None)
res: 4:47:59
